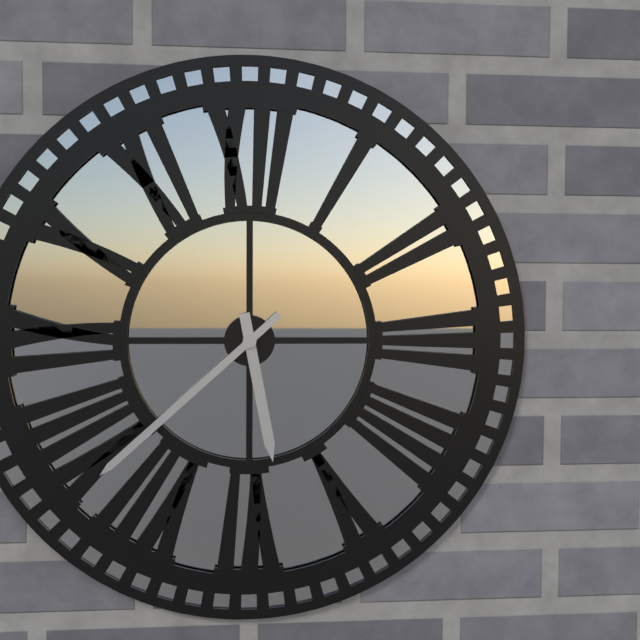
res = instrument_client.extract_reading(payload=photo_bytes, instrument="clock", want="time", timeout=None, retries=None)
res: 5:38
